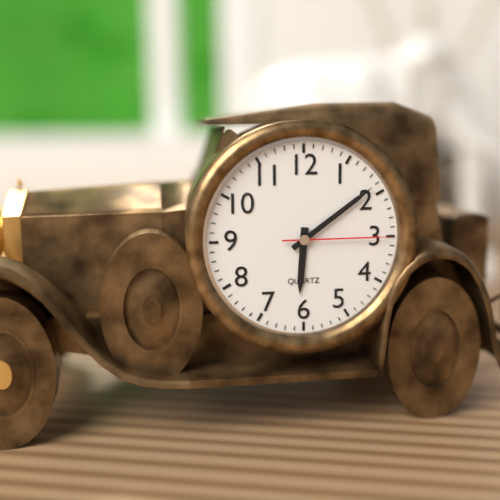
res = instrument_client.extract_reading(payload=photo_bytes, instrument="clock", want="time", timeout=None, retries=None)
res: 6:09:15
